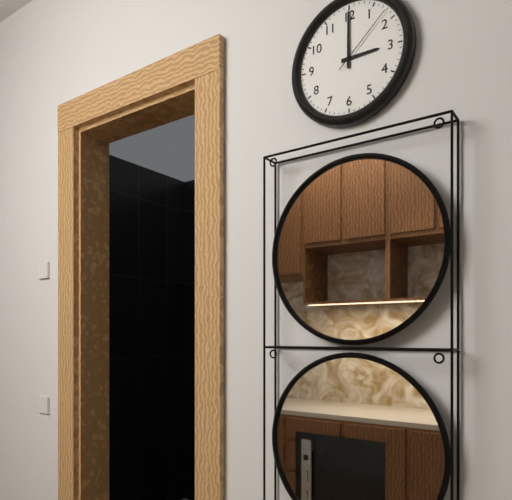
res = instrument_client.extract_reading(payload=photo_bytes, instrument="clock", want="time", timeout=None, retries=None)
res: 3:00:08
